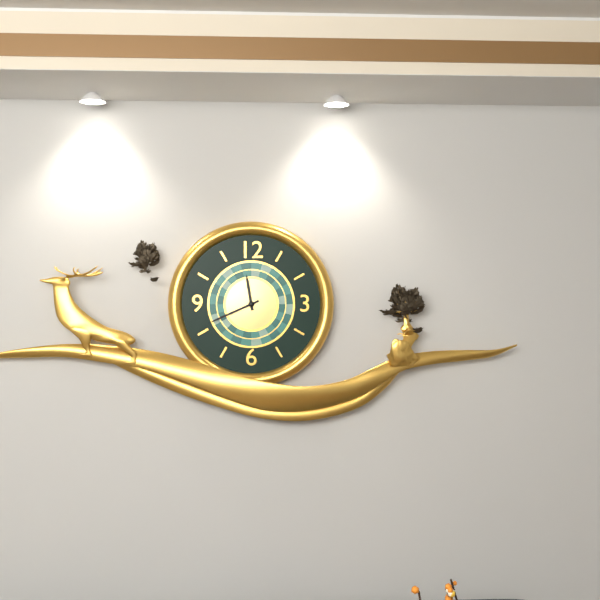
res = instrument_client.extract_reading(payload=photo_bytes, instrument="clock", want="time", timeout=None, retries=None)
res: 11:41
